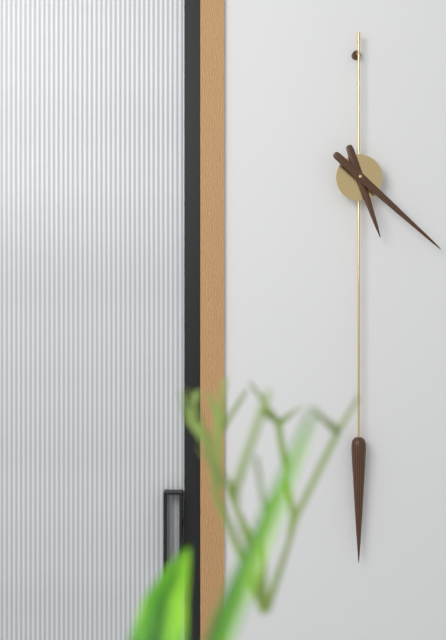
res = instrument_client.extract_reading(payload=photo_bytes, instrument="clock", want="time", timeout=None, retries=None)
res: 5:22
